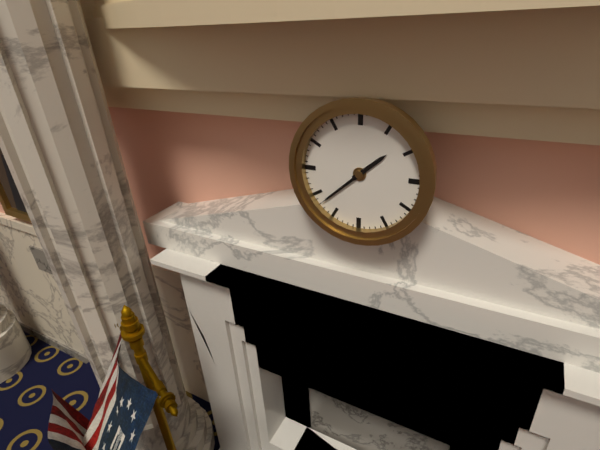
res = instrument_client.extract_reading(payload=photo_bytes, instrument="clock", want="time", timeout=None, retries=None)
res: 1:38
